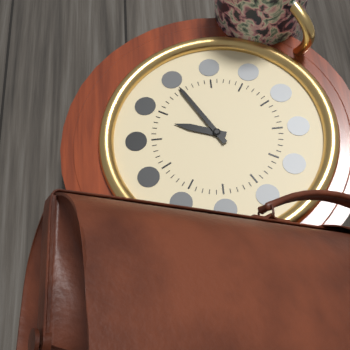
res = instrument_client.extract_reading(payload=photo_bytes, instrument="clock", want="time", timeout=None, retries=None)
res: 6:40
